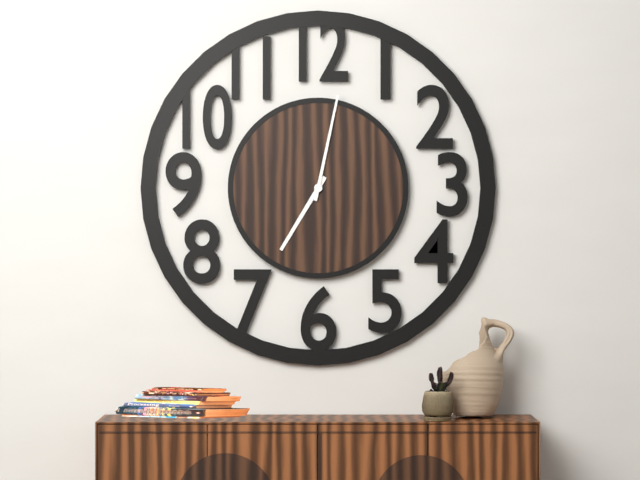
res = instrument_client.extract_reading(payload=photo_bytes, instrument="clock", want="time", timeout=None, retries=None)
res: 7:02
